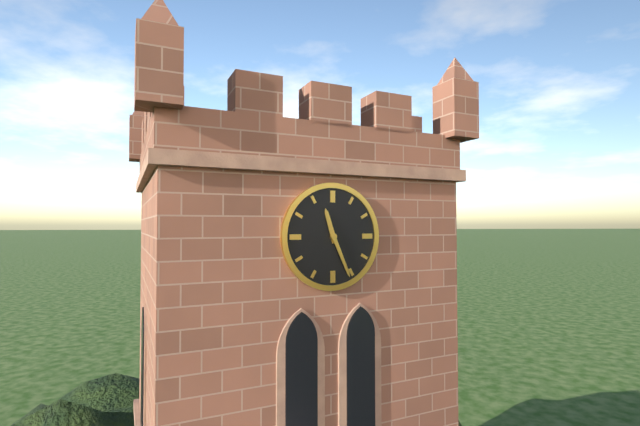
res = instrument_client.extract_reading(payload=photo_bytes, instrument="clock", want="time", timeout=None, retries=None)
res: 11:26
